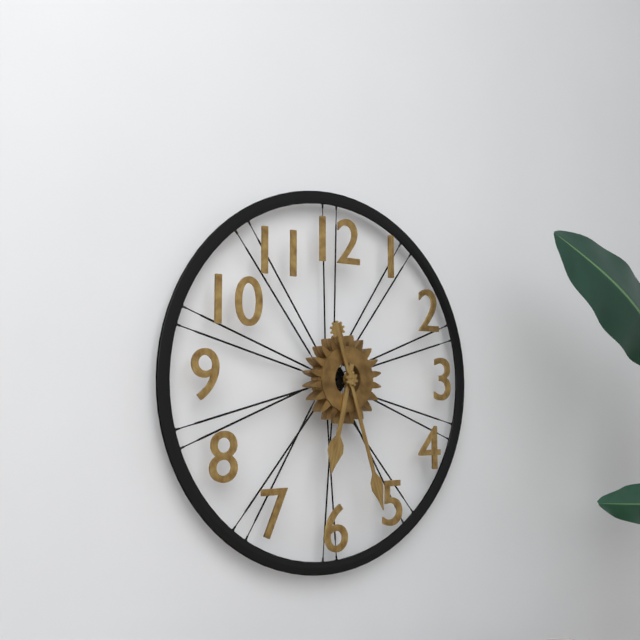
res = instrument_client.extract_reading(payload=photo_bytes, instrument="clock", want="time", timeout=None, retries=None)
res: 6:27
